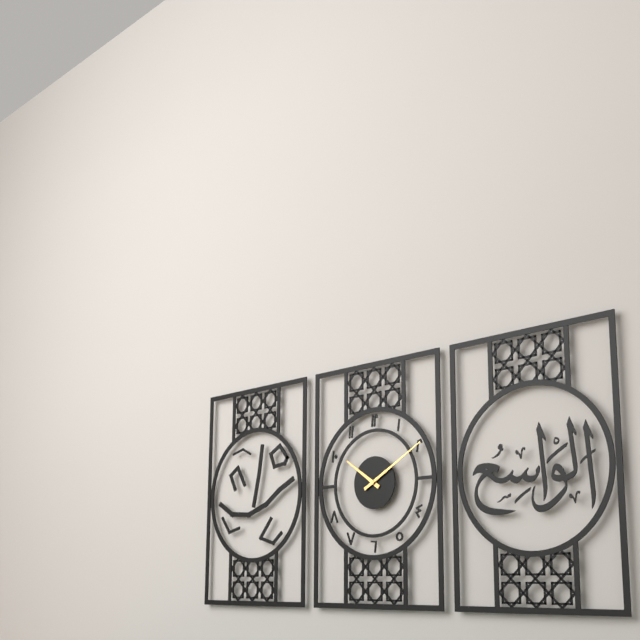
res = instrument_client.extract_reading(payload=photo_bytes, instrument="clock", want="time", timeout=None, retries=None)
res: 10:10
